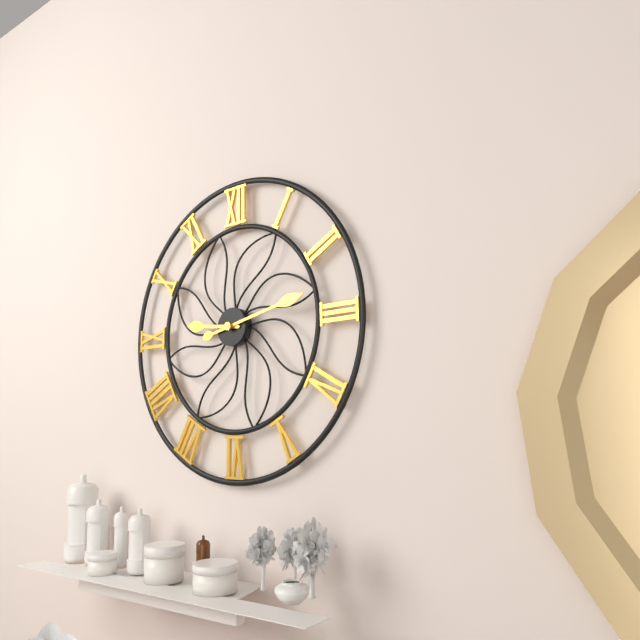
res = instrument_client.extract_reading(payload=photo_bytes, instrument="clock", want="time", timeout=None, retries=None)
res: 9:13
